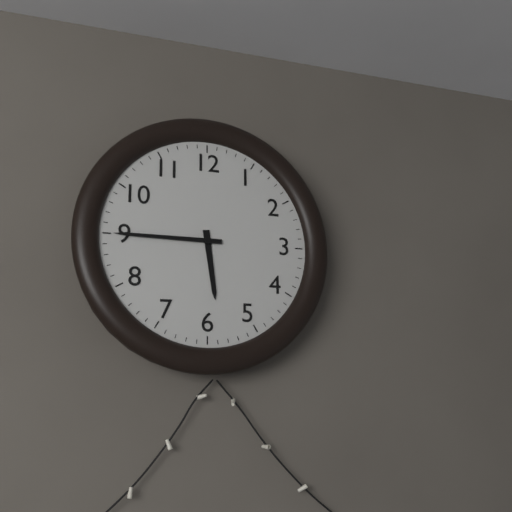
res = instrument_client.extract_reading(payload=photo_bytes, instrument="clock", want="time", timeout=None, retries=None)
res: 5:45
